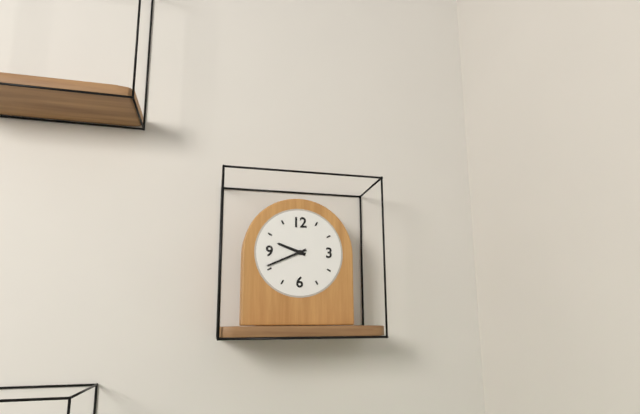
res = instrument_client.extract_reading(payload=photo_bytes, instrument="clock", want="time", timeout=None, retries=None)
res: 9:41
